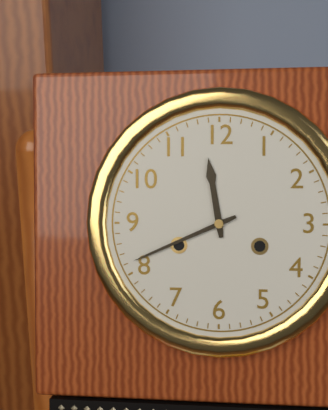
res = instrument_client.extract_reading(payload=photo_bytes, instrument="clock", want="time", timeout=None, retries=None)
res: 11:41
